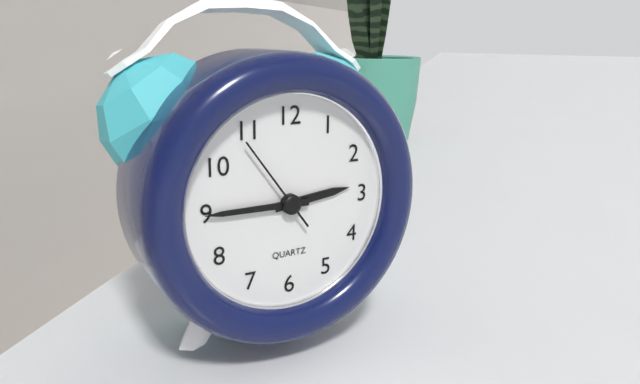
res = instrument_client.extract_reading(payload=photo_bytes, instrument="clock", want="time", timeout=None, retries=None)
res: 2:45:54
